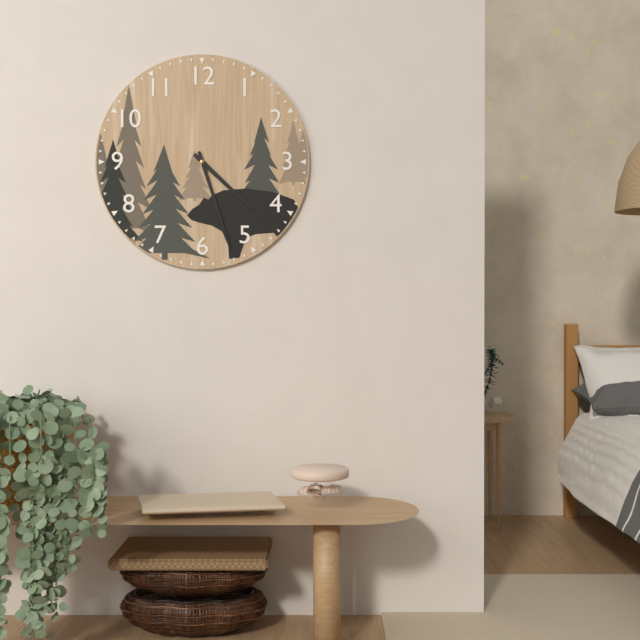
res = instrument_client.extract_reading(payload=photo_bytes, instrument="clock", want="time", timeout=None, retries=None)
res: 4:27
